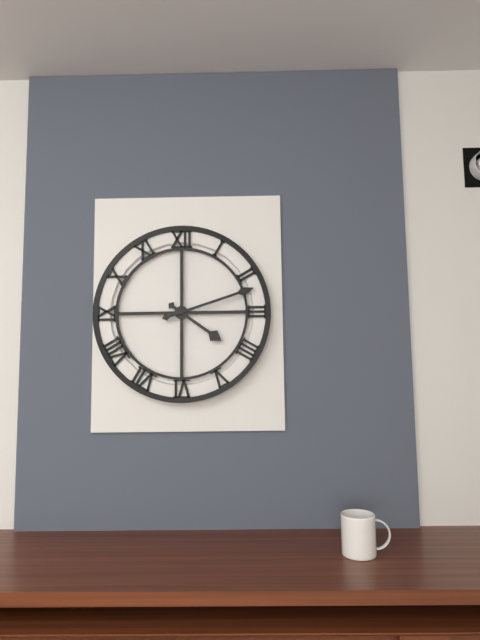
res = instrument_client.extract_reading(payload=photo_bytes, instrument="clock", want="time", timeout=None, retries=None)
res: 4:12
